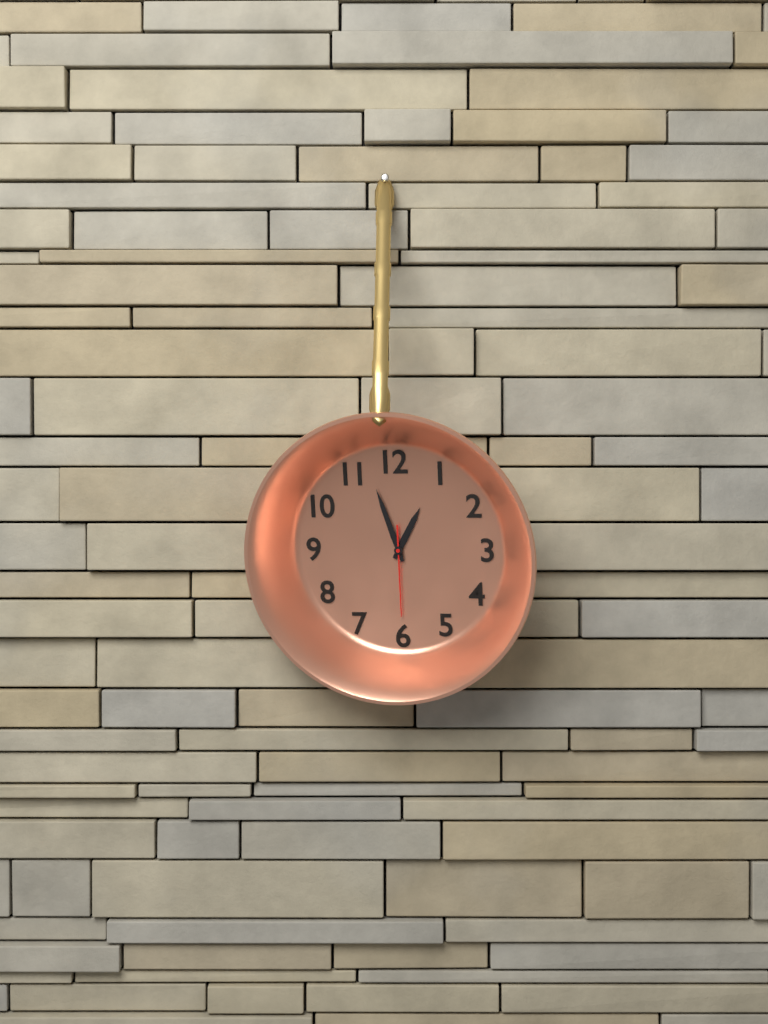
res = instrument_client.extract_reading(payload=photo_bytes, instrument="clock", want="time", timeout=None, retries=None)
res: 12:57:30
